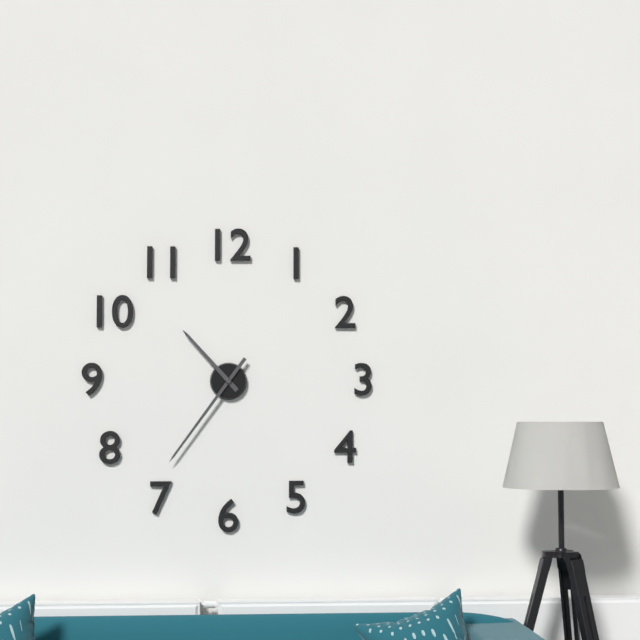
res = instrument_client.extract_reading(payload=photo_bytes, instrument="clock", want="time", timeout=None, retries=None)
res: 10:36
